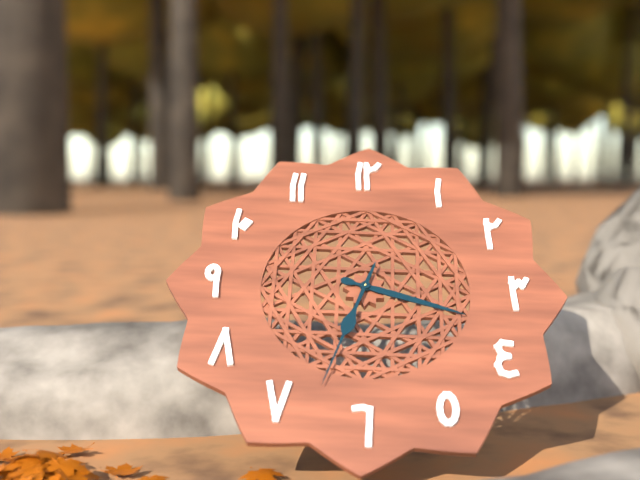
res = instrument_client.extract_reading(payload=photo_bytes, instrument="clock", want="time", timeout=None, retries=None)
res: 3:33
